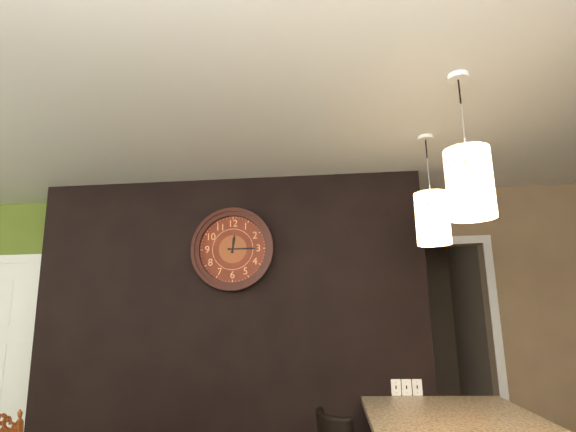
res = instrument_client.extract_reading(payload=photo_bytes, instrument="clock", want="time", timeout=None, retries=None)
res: 12:15
